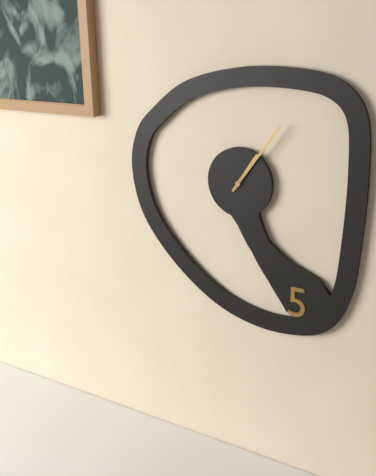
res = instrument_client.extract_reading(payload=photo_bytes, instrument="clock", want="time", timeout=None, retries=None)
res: 1:06
